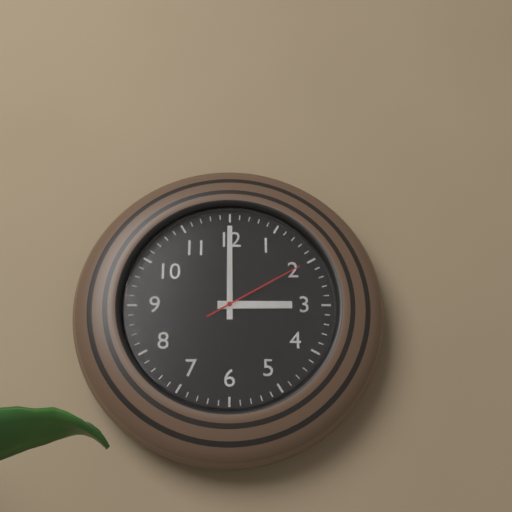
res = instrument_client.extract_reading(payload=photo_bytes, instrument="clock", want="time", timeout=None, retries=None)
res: 3:00:10
